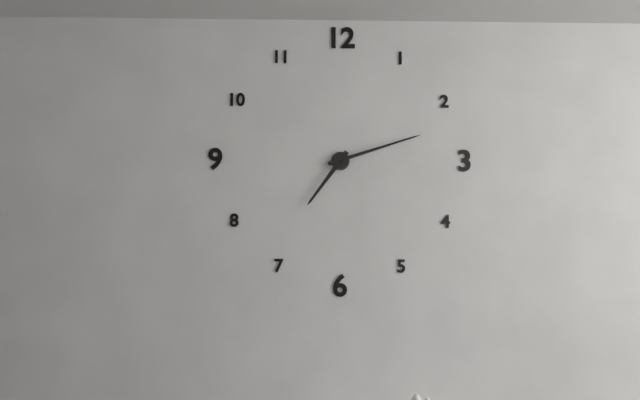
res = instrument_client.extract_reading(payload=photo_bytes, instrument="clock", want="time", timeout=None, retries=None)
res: 7:12
